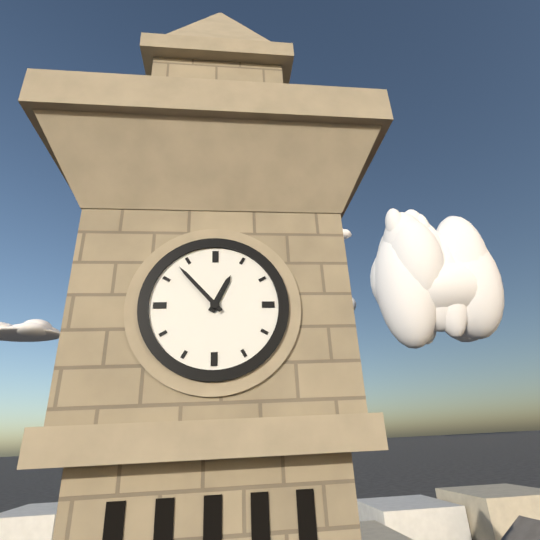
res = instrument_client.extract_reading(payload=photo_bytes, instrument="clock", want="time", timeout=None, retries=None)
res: 12:53
